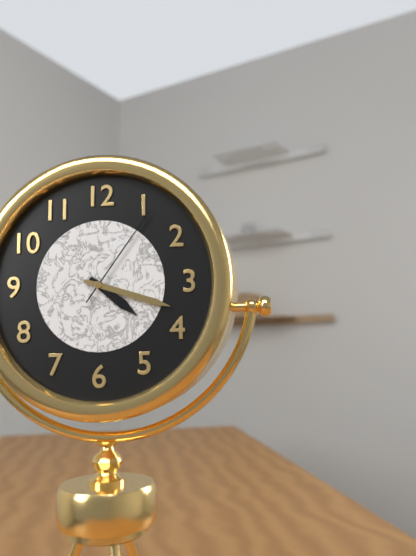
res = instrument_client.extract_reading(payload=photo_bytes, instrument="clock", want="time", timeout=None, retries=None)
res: 4:18:06
